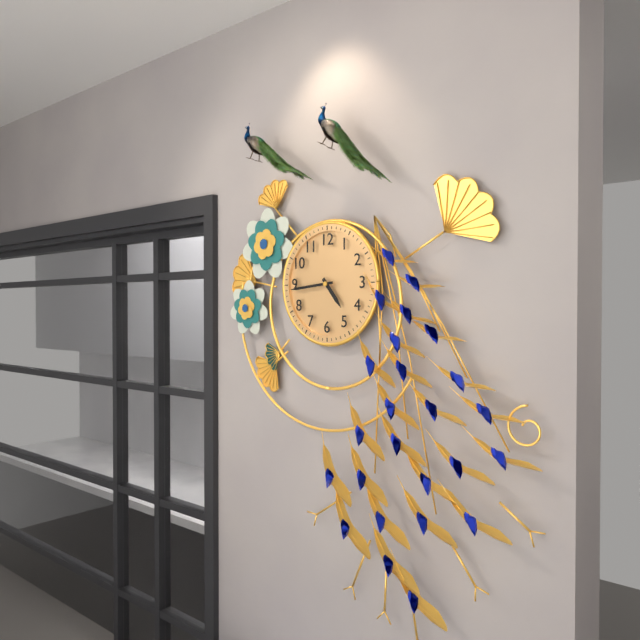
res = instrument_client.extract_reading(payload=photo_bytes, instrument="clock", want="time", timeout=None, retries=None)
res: 4:44
